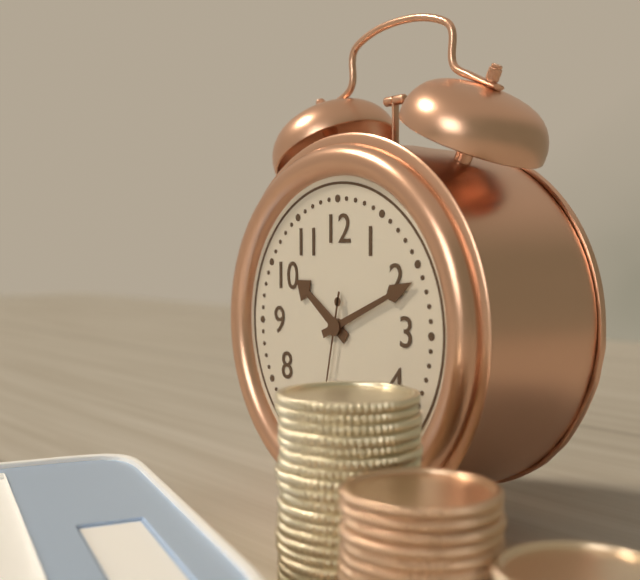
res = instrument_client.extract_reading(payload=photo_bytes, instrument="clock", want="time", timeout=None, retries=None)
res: 10:11
